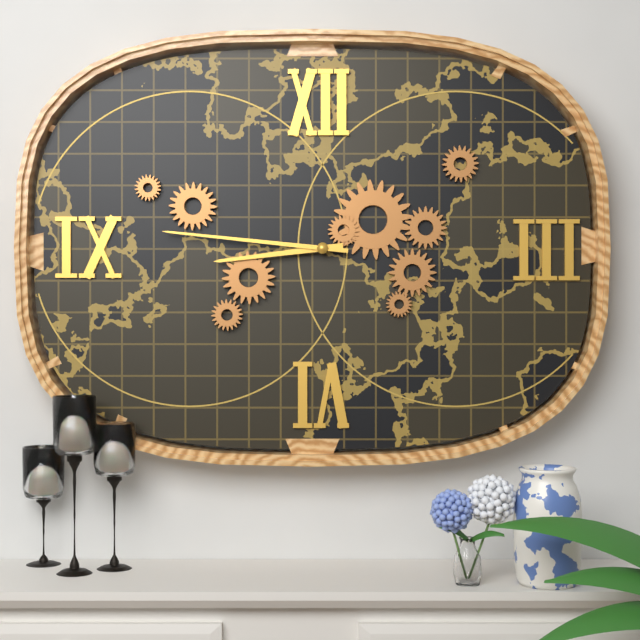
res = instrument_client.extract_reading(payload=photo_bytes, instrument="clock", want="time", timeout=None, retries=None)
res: 8:46
